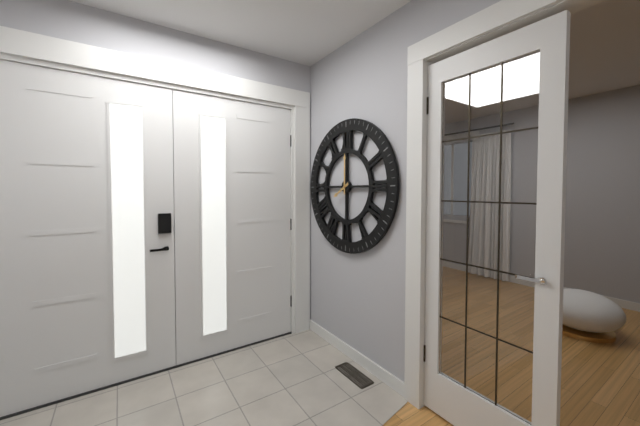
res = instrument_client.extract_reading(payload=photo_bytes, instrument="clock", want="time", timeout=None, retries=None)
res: 8:00
